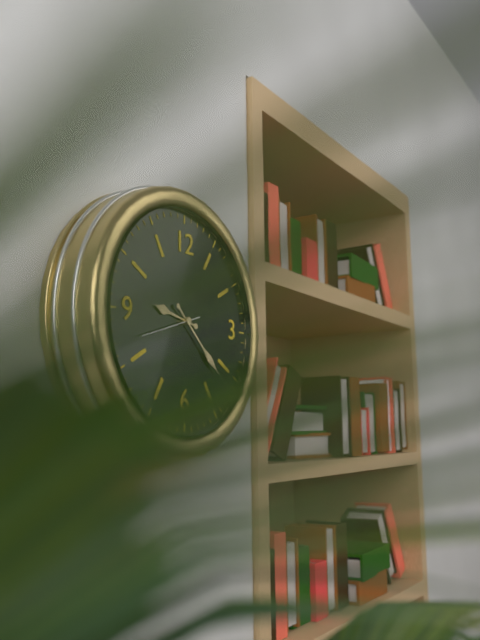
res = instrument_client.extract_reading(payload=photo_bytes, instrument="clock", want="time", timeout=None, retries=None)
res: 9:22:42
